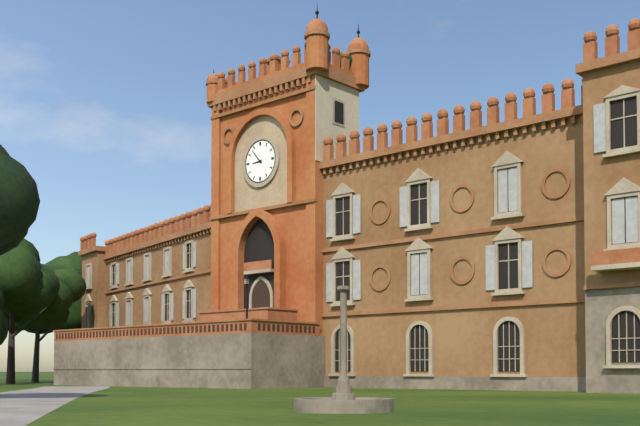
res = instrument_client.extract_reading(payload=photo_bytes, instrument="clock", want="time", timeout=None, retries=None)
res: 8:53
